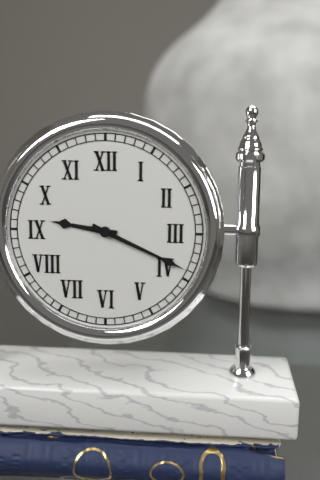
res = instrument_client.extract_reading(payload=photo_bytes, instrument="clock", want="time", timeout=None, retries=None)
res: 9:19
